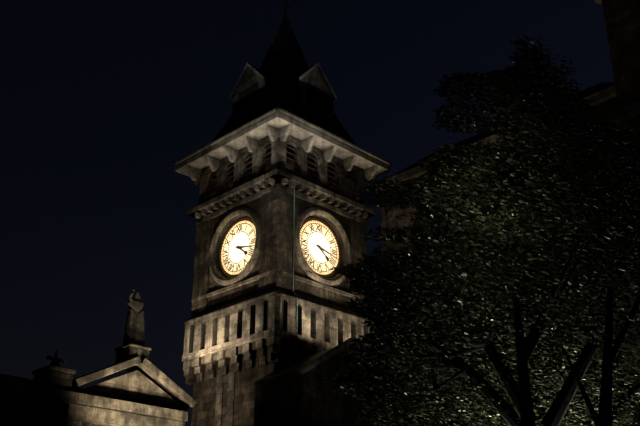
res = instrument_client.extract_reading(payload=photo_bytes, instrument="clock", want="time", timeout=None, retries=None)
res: 4:17
